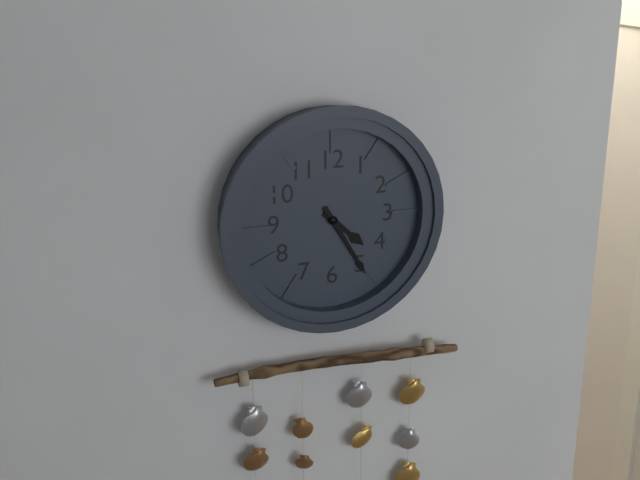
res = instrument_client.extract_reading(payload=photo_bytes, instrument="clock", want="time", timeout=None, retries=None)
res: 4:25
